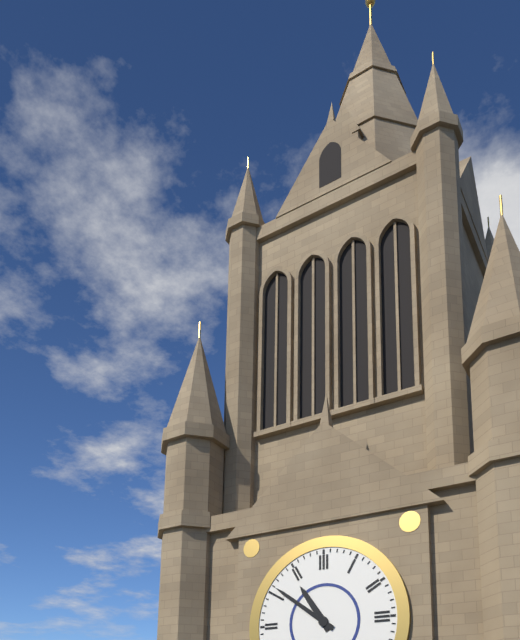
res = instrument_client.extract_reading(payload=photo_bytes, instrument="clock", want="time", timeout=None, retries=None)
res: 10:51
